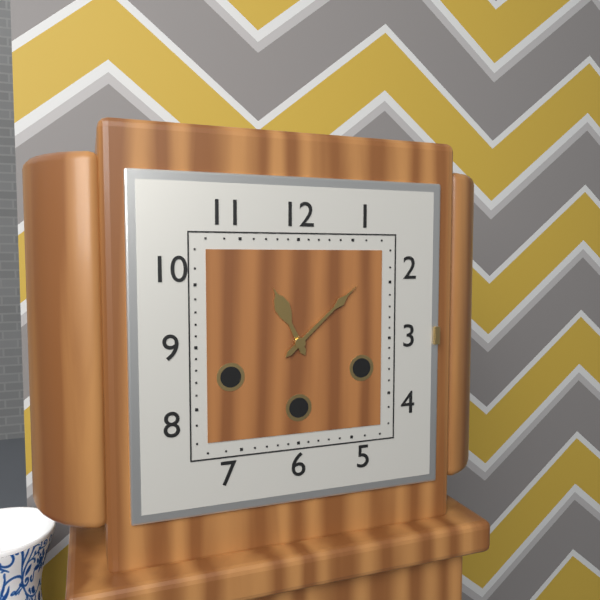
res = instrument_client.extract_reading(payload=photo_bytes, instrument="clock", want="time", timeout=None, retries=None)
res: 11:08
